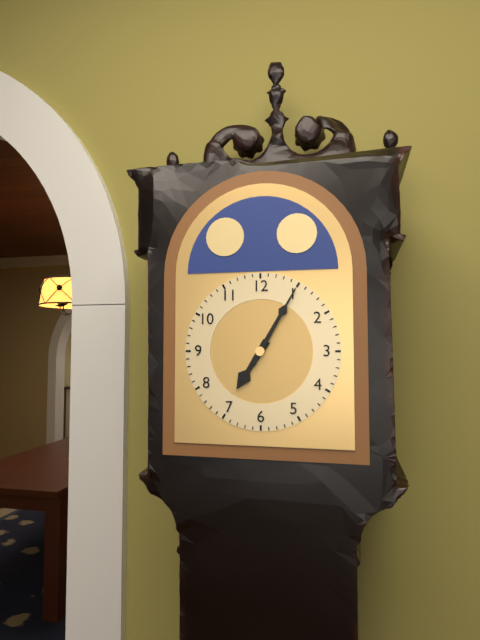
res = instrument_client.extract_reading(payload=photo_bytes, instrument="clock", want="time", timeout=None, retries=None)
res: 7:05
